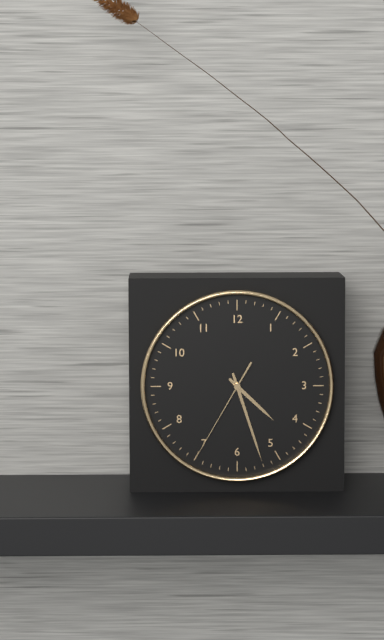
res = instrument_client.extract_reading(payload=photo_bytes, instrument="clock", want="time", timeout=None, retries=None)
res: 4:27:35
